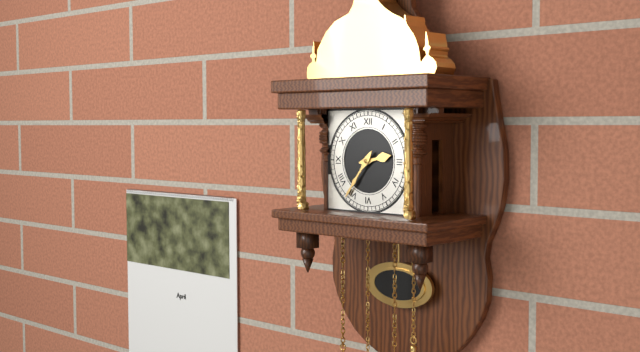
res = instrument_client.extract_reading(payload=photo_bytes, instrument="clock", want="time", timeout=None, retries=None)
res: 2:36
